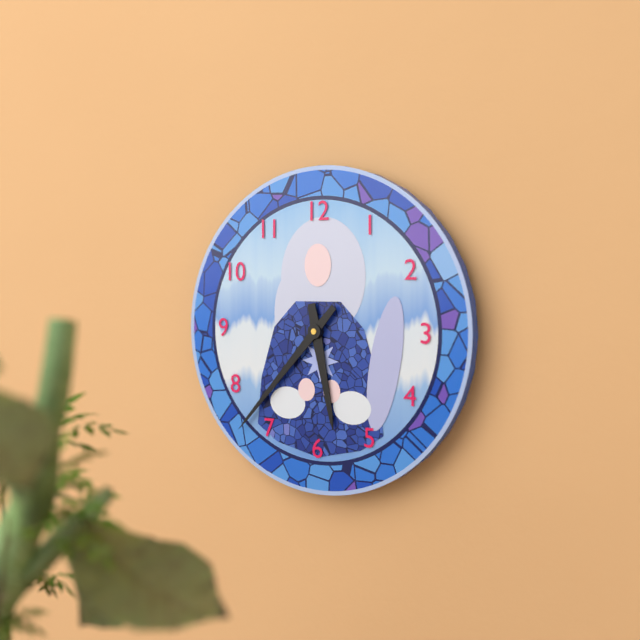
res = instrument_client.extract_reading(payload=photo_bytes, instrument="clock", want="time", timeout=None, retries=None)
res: 5:37
